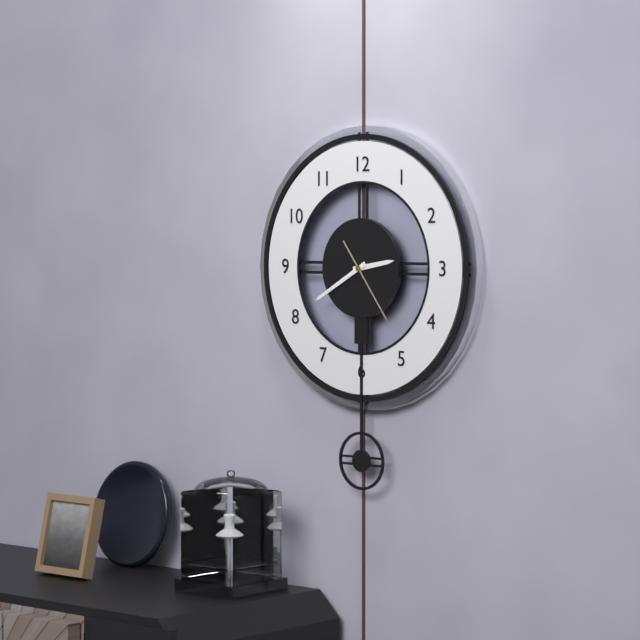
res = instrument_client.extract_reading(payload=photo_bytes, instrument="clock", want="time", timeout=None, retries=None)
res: 2:40:24
